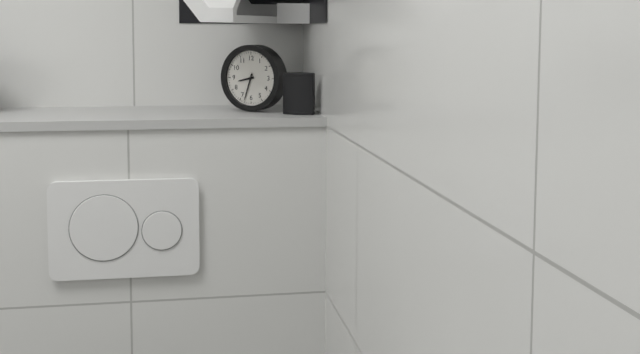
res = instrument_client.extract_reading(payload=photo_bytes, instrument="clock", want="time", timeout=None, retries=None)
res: 8:33
